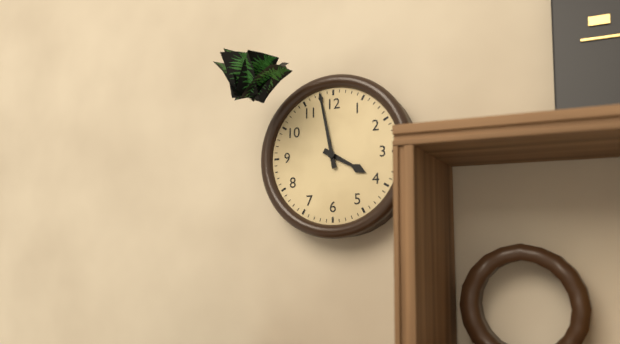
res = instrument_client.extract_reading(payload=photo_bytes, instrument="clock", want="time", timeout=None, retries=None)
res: 3:58
